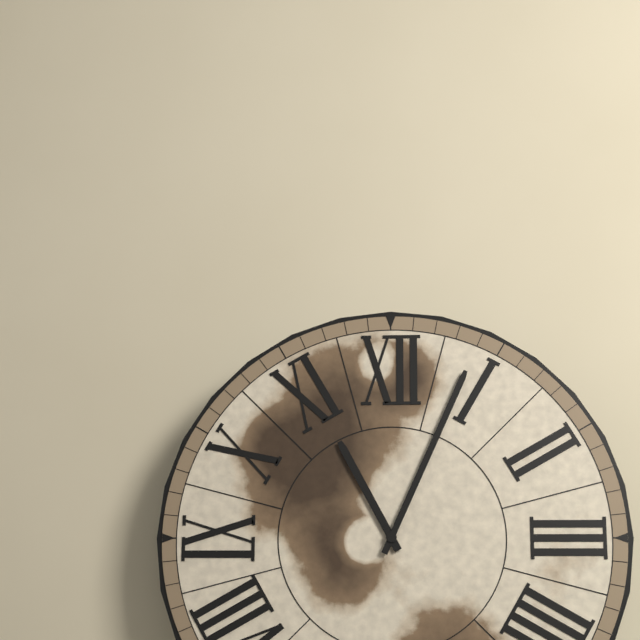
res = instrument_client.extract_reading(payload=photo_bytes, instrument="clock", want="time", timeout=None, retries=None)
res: 11:04
